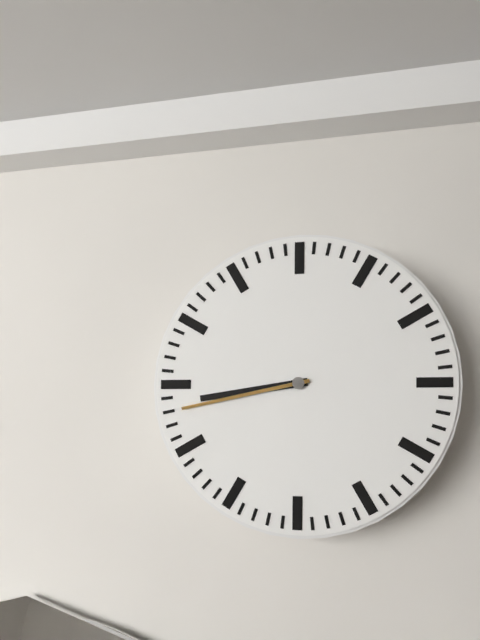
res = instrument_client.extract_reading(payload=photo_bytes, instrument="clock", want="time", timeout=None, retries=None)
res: 8:43
